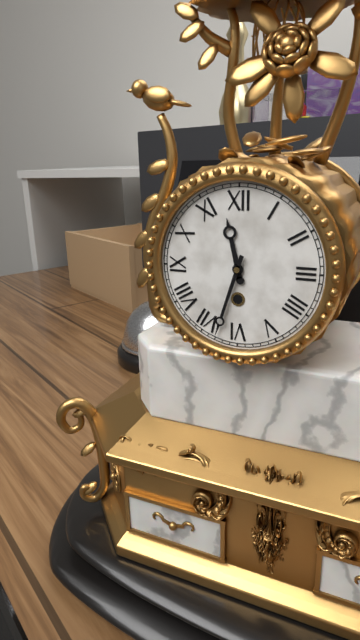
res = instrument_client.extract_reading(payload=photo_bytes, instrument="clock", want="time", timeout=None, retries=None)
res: 11:33
